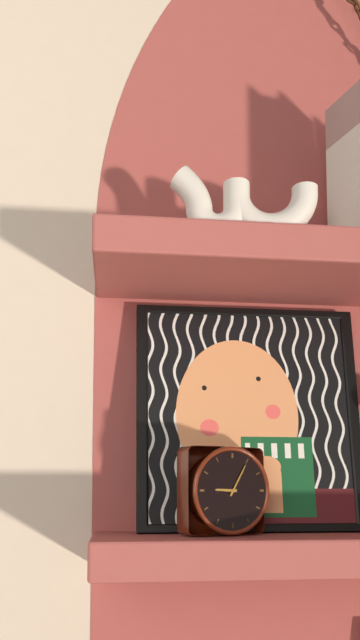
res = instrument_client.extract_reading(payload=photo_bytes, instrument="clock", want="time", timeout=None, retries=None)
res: 9:05
